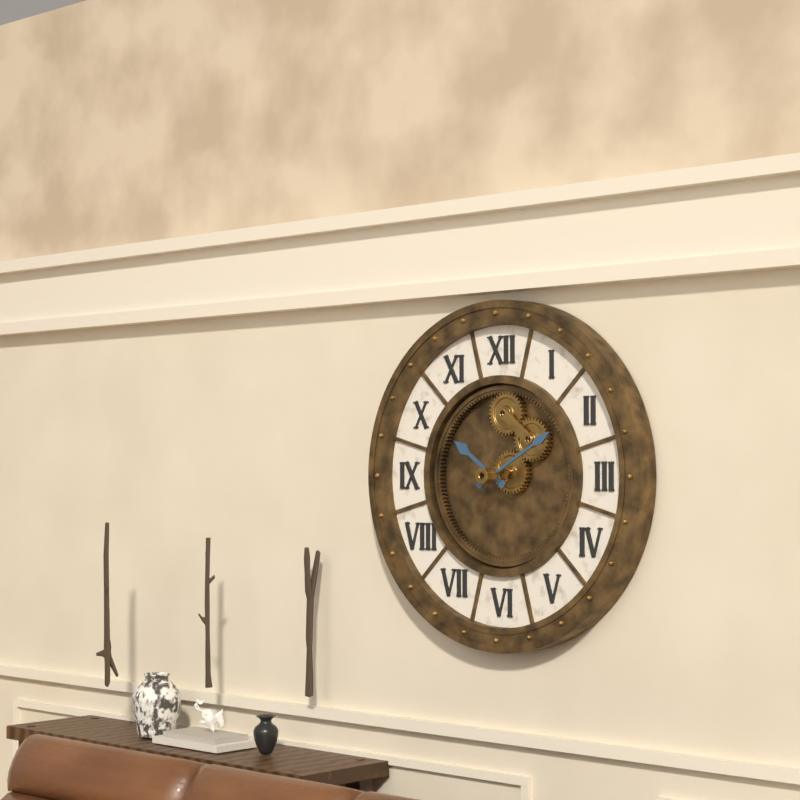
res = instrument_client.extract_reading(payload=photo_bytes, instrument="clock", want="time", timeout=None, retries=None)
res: 10:10
